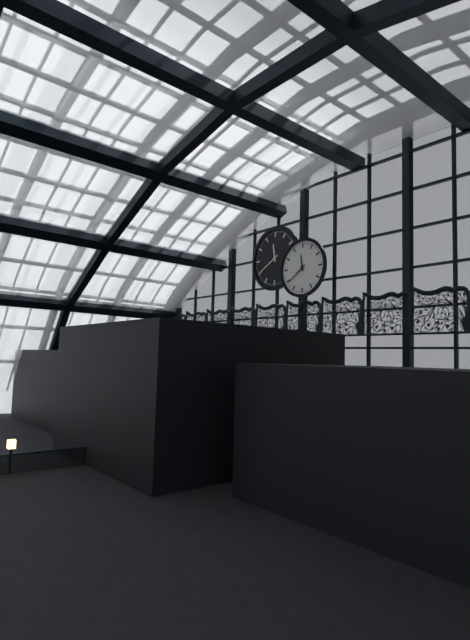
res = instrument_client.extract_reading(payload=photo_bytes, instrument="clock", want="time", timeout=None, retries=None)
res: 11:39
